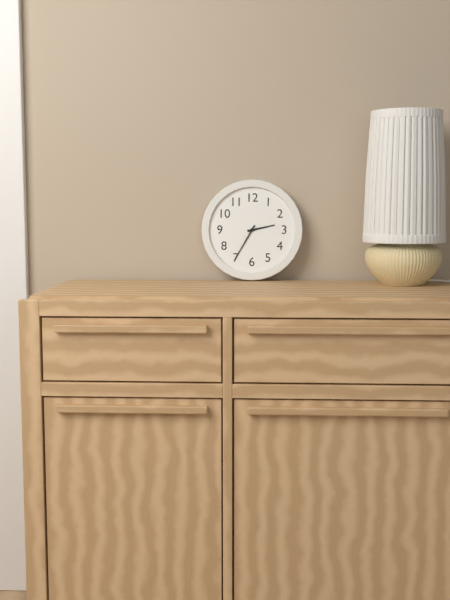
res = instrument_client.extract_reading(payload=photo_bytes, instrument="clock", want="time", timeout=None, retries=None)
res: 2:35
